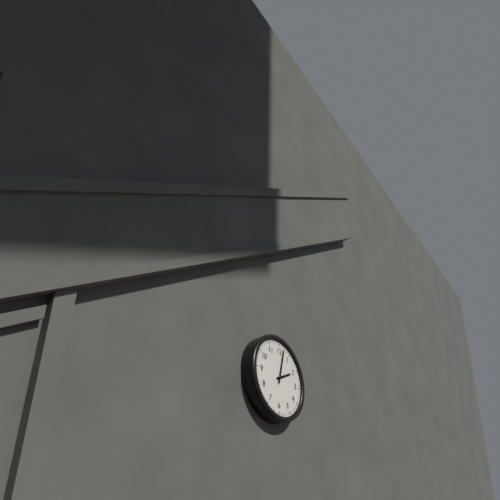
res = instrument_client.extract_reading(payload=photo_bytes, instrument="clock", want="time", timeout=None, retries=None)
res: 2:02
